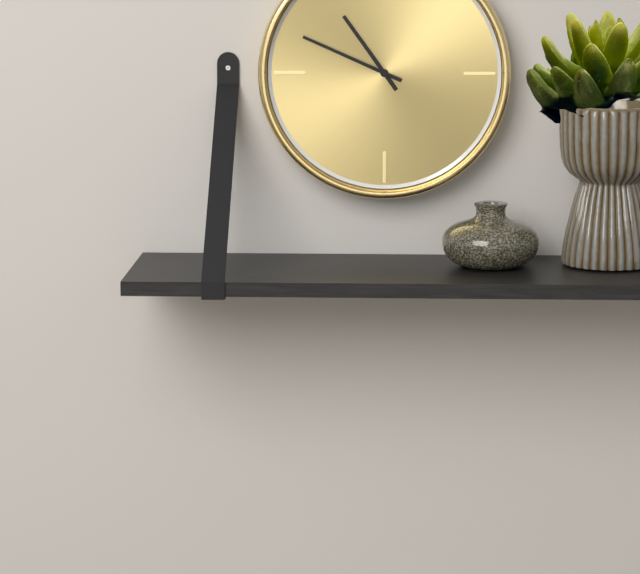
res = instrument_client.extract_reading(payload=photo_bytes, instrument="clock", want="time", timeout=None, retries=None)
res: 10:49
